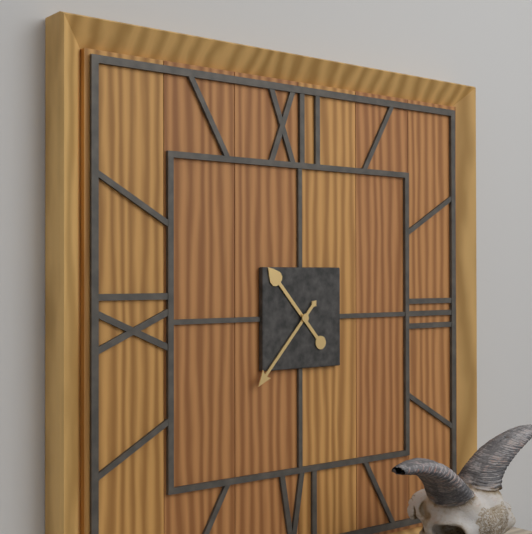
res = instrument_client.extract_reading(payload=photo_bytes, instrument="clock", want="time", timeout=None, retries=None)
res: 10:37
